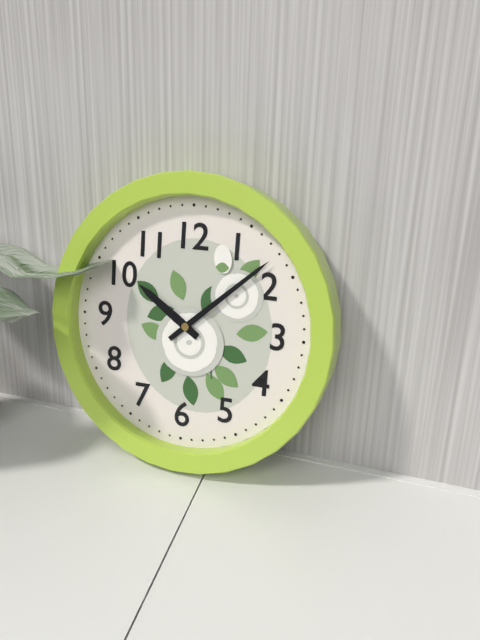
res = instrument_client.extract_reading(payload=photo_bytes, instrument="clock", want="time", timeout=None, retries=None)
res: 10:08
